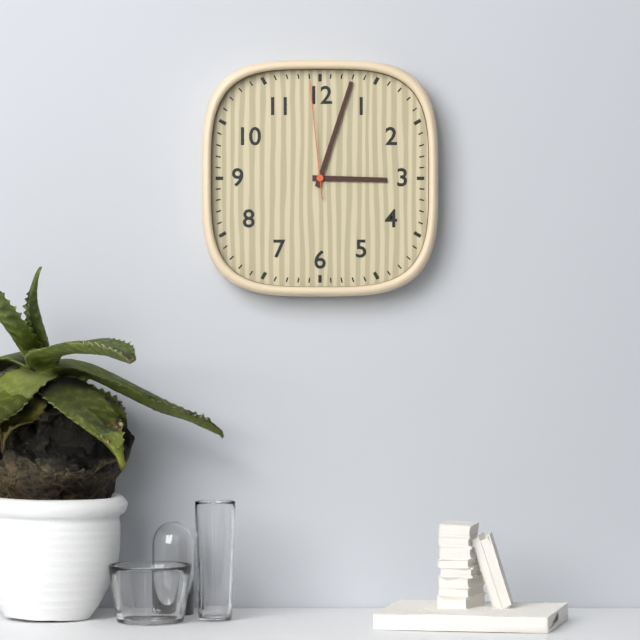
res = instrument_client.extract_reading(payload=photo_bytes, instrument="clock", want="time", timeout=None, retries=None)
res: 3:03:59
